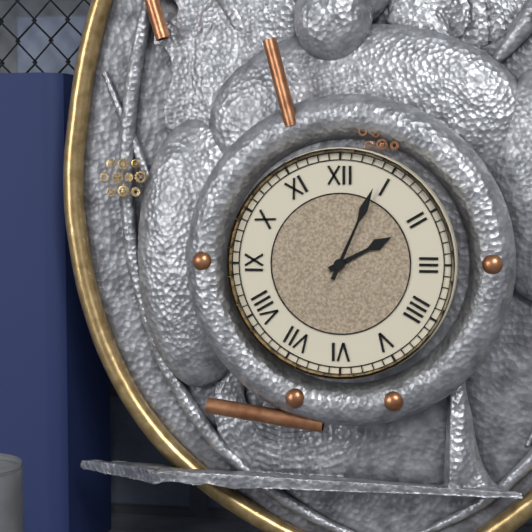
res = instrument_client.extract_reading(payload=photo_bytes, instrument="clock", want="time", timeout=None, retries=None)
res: 2:04
